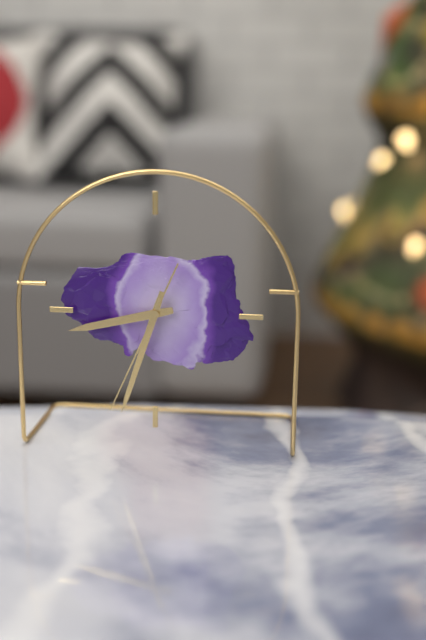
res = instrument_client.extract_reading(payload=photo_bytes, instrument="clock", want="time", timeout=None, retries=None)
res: 8:33:34
